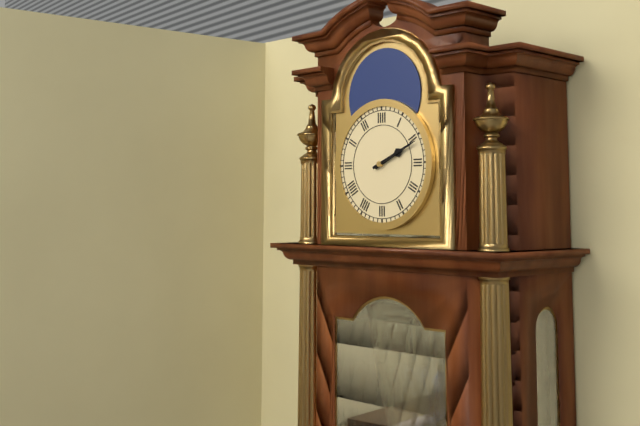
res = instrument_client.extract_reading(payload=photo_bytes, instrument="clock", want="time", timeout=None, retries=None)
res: 2:11
